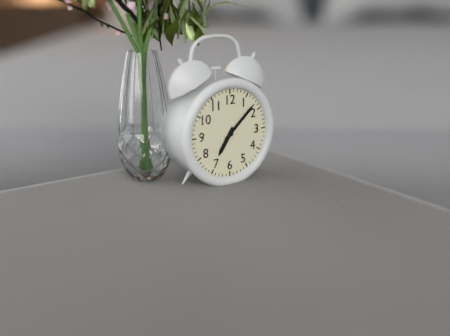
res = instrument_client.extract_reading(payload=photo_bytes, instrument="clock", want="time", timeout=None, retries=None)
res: 7:08
